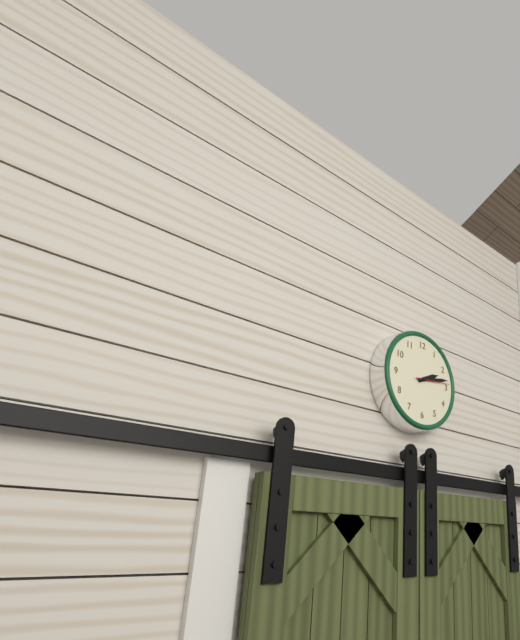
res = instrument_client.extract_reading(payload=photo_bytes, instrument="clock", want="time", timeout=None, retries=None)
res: 2:13
